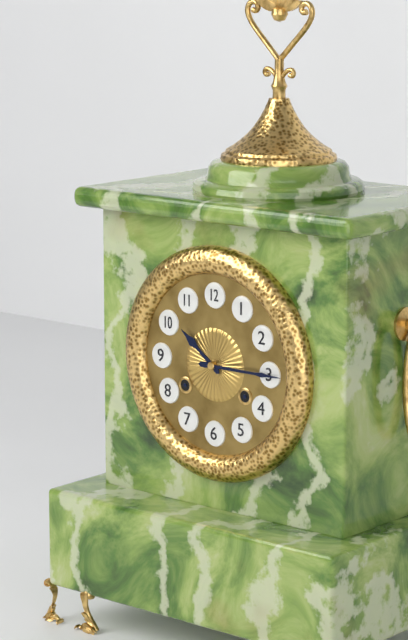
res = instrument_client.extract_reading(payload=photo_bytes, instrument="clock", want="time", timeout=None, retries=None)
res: 10:15
